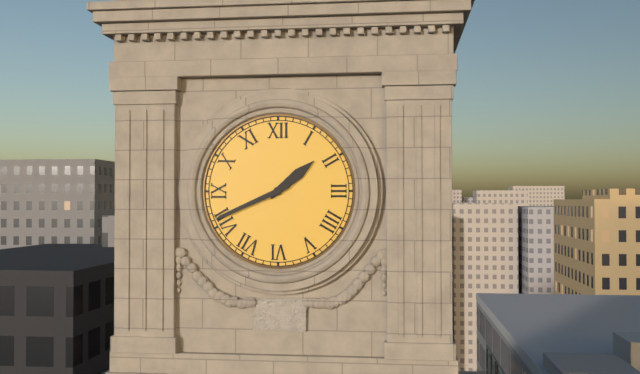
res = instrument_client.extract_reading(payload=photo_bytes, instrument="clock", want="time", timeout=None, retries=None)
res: 1:41
